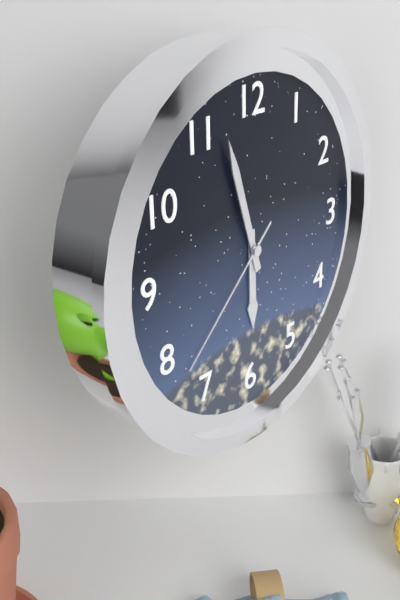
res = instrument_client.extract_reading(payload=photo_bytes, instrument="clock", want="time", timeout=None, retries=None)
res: 5:57:38
